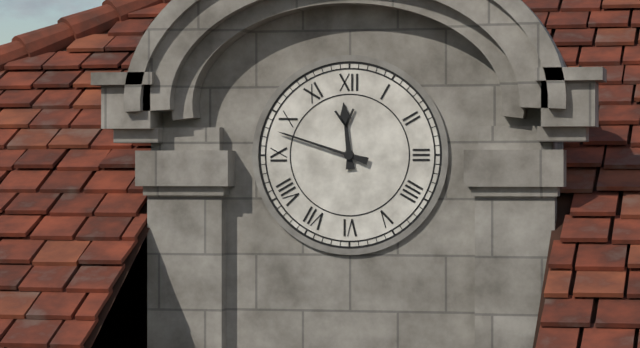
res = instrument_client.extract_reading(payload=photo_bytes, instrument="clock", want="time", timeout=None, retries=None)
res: 11:48
